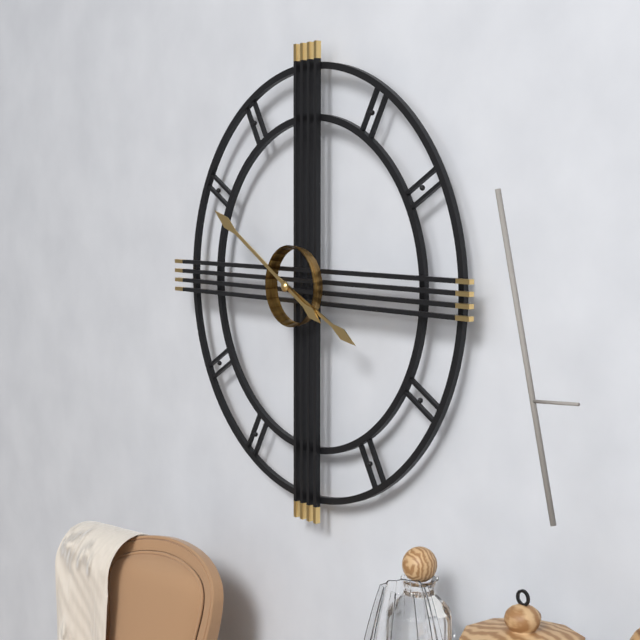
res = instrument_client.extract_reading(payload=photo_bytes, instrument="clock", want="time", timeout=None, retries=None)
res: 3:50
